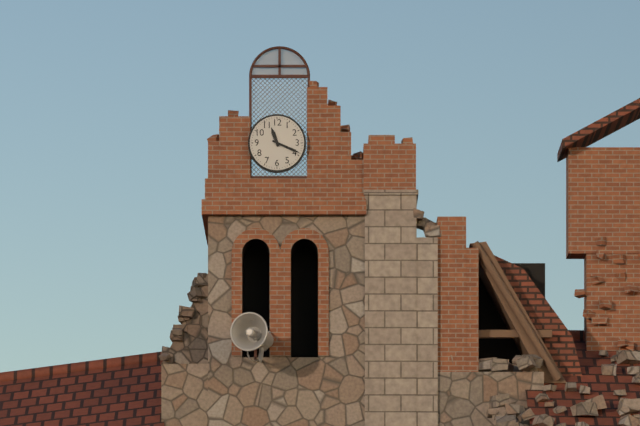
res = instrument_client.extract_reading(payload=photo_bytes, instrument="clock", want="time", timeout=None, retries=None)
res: 11:19
